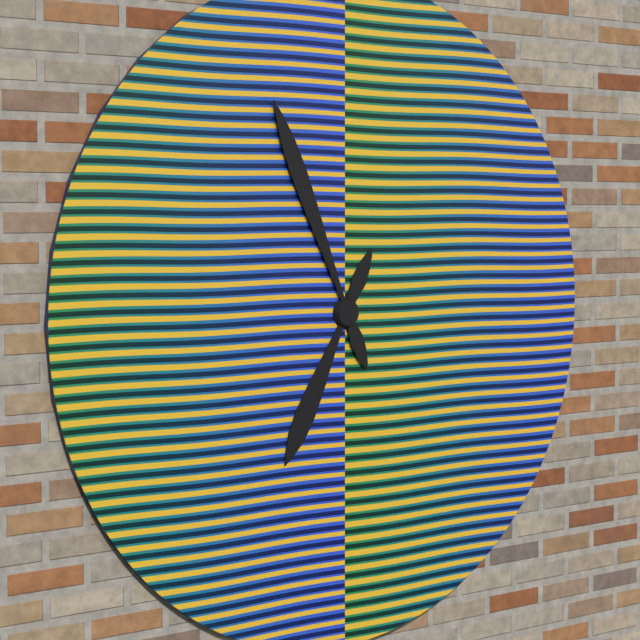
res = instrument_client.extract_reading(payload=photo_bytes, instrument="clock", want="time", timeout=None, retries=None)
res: 6:56
